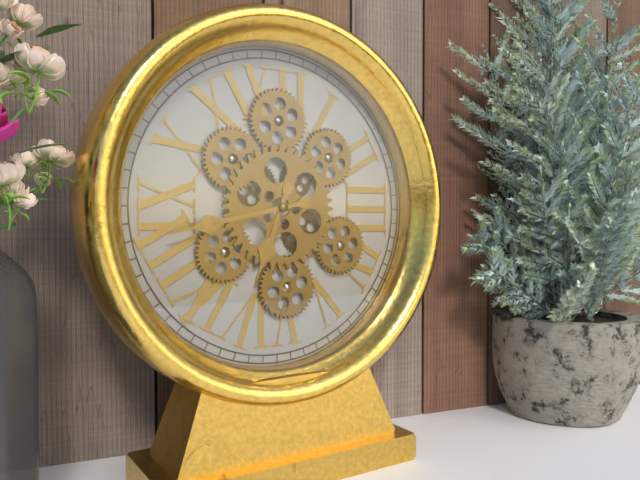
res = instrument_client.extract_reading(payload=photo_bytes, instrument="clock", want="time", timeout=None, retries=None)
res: 6:43
